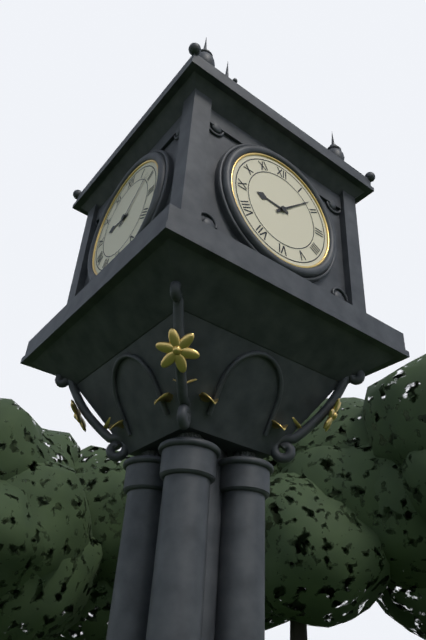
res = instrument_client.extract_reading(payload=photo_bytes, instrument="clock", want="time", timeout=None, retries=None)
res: 9:08
